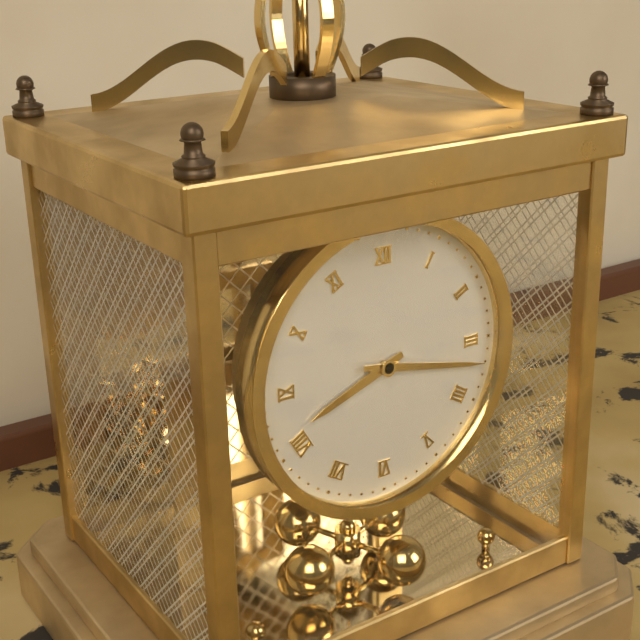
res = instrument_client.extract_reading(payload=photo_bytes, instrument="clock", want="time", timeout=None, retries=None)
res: 8:17
